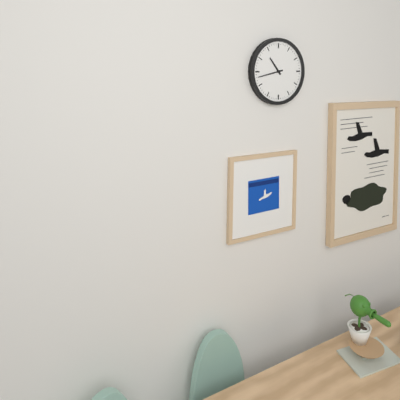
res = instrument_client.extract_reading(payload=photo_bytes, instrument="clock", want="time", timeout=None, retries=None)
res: 10:43
